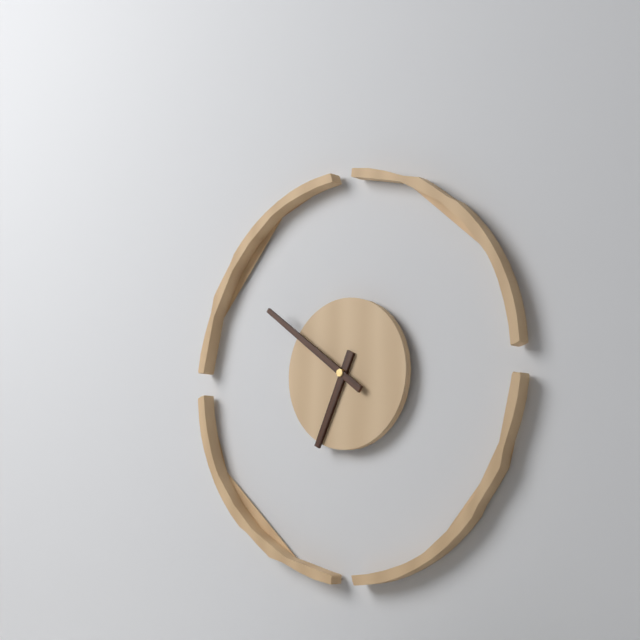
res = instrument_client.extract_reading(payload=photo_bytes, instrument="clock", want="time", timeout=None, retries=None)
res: 6:51
